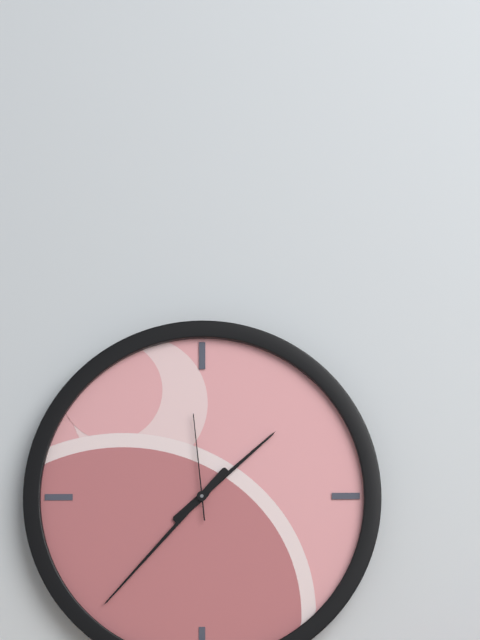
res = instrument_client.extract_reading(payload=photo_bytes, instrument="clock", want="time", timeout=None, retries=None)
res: 1:37:59
